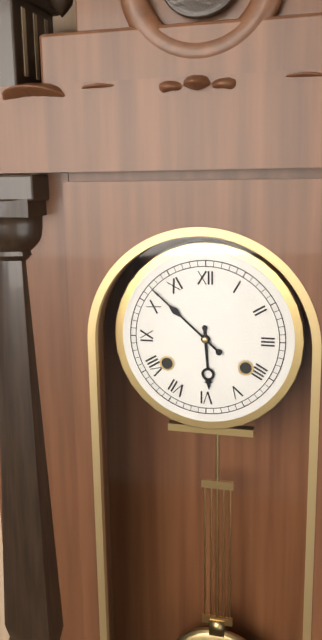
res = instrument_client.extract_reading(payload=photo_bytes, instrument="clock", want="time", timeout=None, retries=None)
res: 5:52
